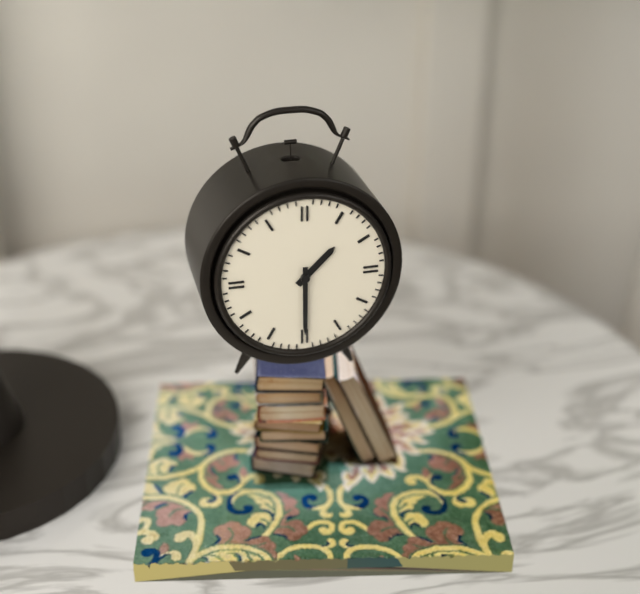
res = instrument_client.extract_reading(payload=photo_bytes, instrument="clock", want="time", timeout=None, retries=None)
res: 1:30
